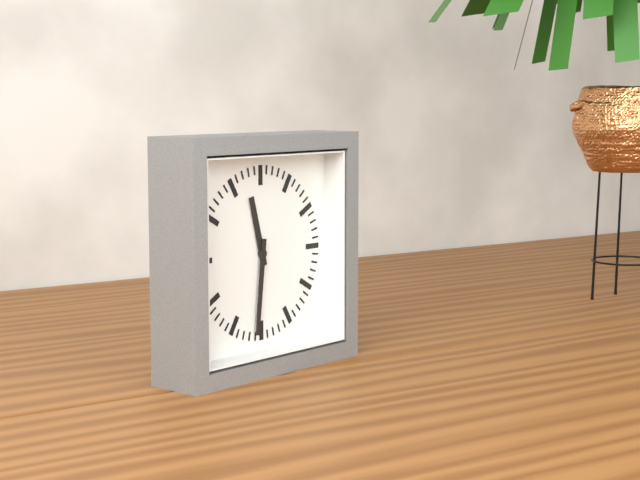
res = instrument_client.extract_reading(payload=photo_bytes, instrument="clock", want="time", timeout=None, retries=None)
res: 11:31
